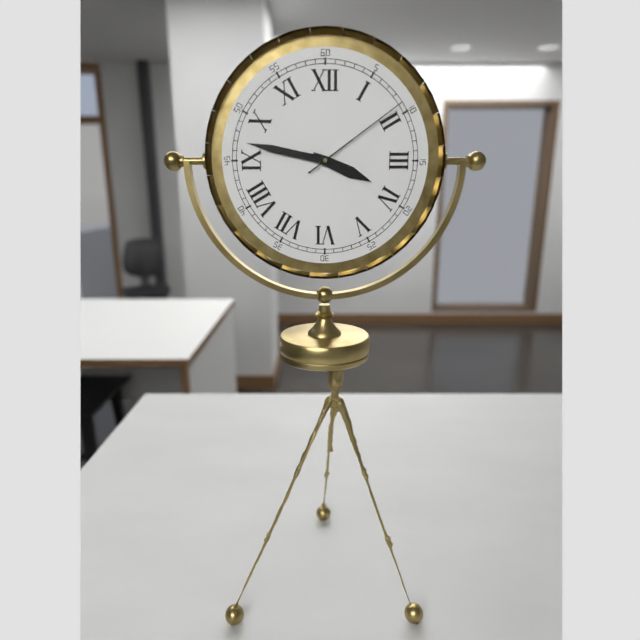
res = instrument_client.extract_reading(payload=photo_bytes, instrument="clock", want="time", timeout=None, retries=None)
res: 3:47:09
